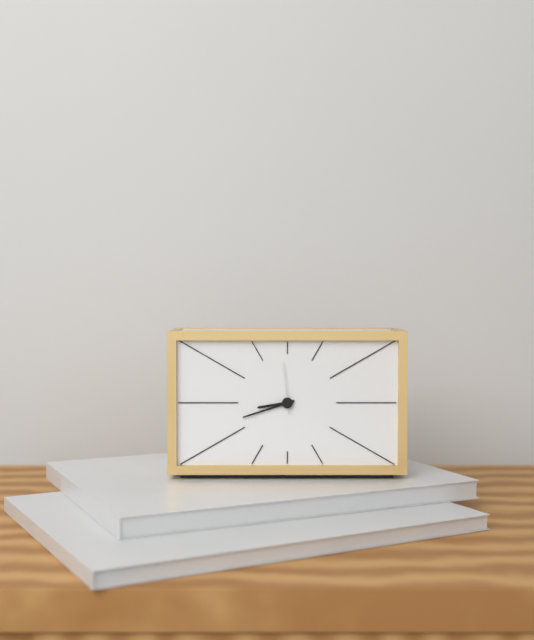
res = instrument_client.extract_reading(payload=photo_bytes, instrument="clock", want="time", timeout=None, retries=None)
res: 8:42:59
